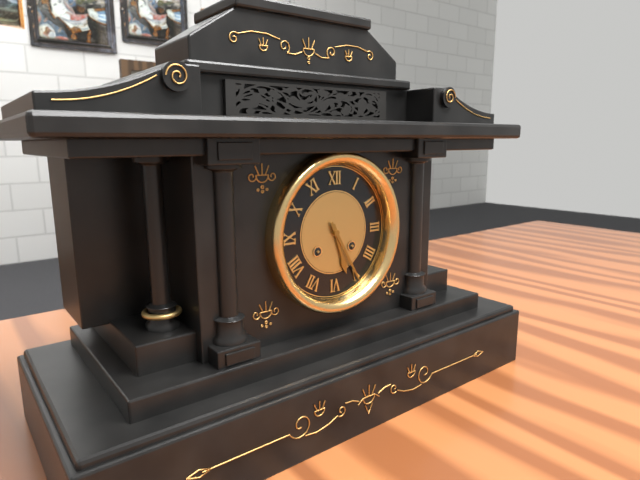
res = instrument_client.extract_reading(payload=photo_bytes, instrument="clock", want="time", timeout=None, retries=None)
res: 5:25
